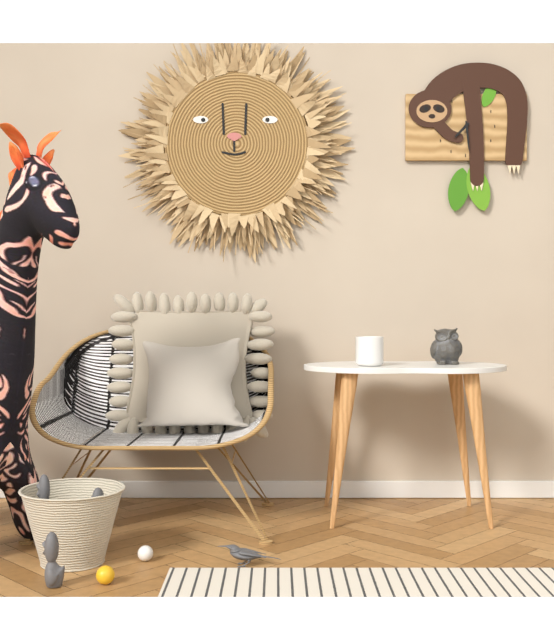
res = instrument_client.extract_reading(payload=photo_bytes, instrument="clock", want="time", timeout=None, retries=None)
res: 7:29
